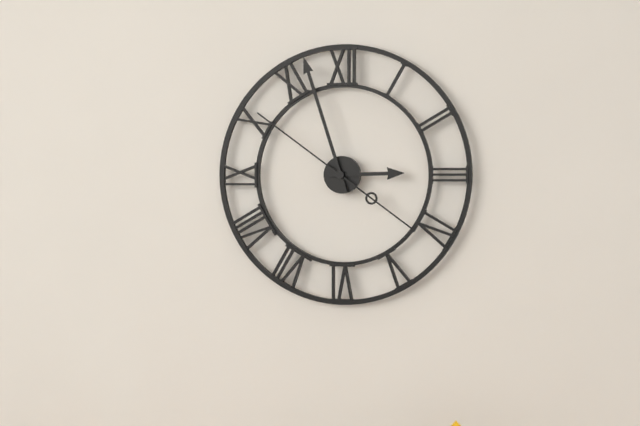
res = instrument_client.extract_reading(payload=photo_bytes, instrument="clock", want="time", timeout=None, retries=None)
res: 2:57:51
